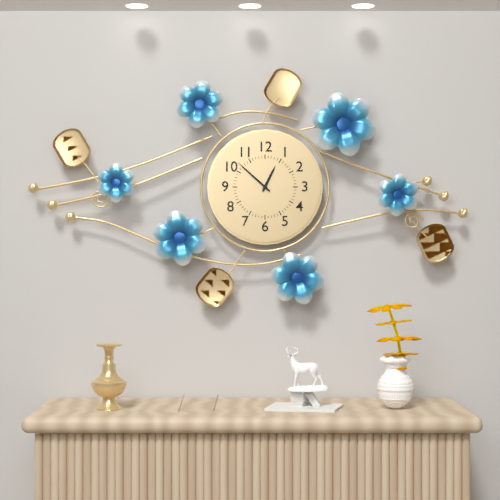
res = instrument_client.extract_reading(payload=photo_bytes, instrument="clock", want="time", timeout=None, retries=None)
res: 12:52
